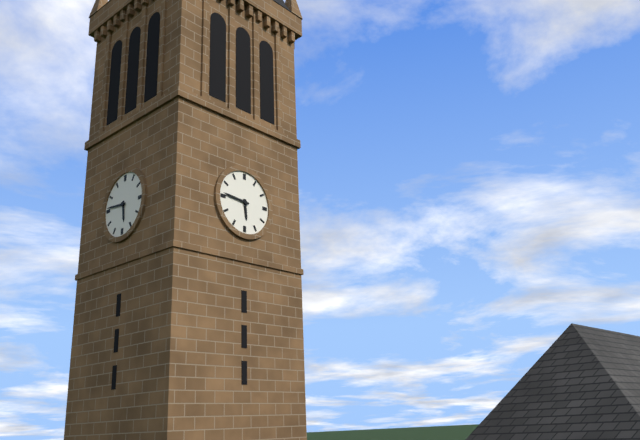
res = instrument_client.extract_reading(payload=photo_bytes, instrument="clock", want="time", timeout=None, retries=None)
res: 5:46
